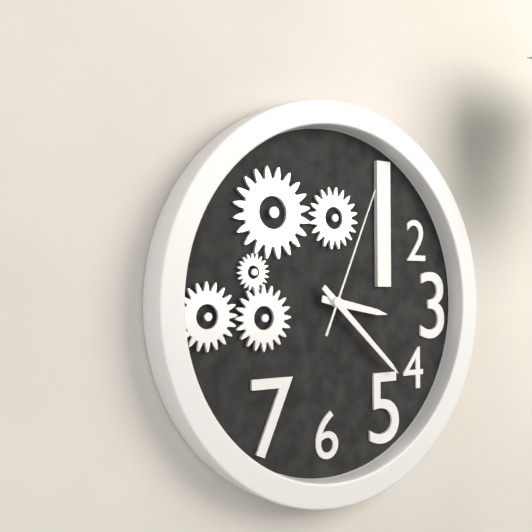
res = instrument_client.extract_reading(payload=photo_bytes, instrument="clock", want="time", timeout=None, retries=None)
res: 3:22:04
